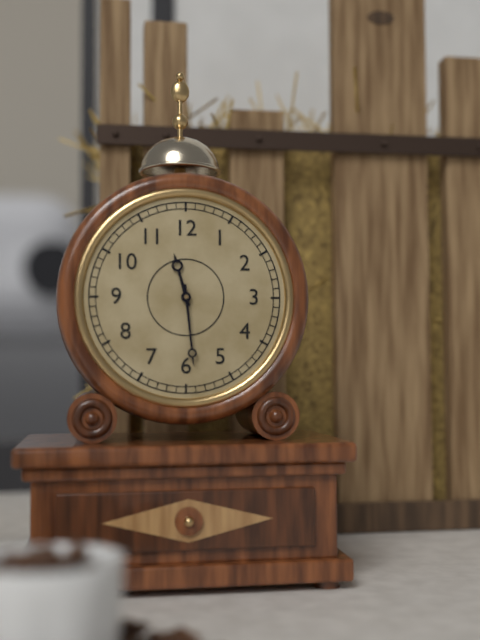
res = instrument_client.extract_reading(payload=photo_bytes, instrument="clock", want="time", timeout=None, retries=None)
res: 11:29
